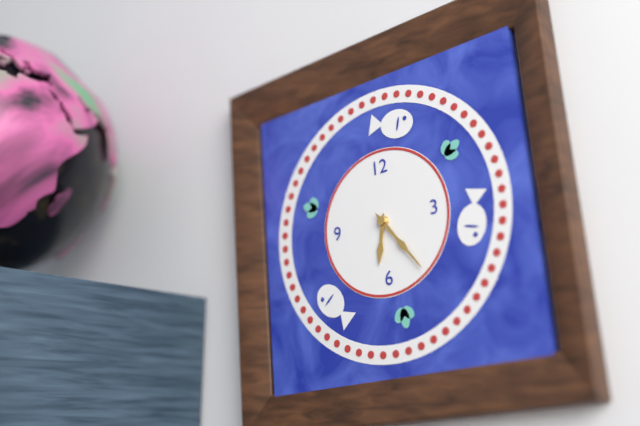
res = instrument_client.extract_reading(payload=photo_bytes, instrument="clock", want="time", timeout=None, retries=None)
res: 6:24
